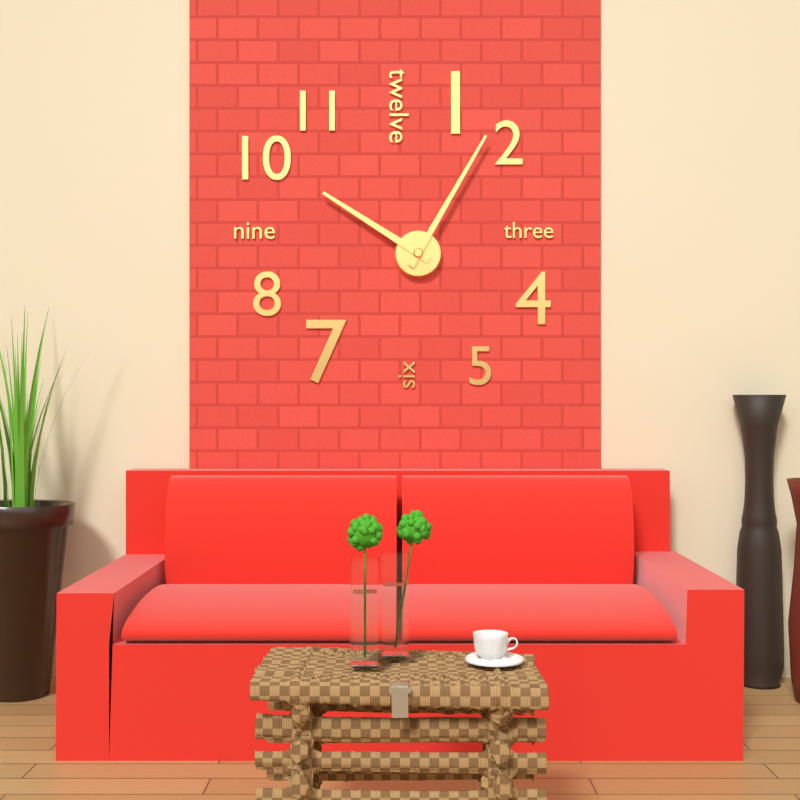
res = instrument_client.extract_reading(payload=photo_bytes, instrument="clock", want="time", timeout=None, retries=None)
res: 10:05
